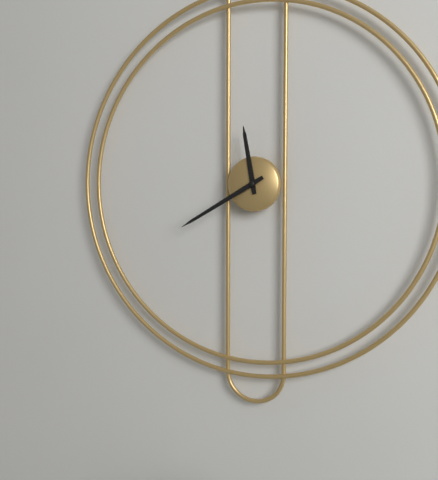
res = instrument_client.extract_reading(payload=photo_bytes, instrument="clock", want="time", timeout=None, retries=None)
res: 11:40
